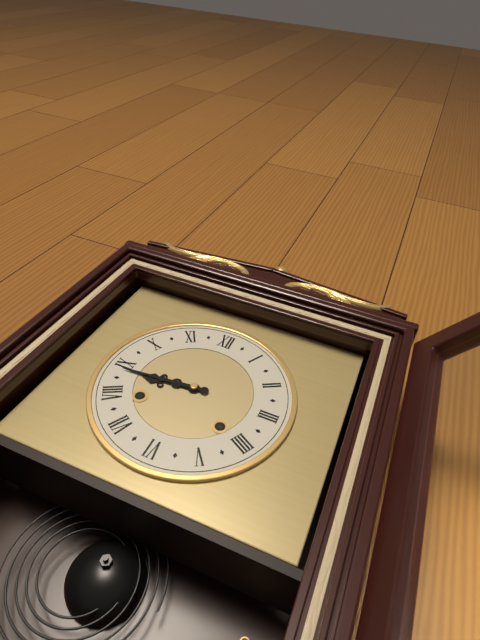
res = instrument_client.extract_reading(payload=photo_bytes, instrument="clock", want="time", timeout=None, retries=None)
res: 8:44
